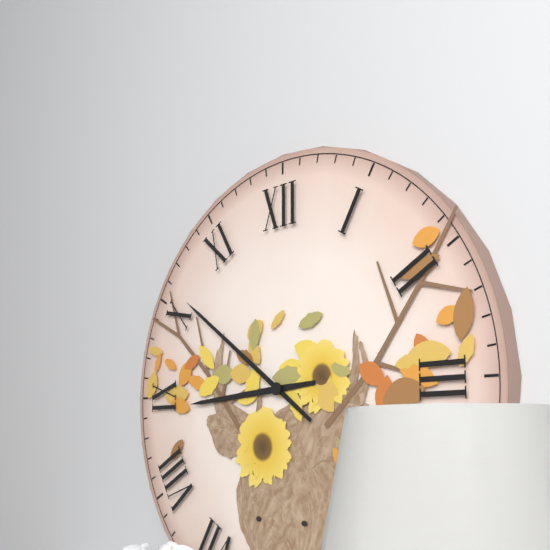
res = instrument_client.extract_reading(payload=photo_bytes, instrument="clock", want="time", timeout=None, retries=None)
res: 8:51
